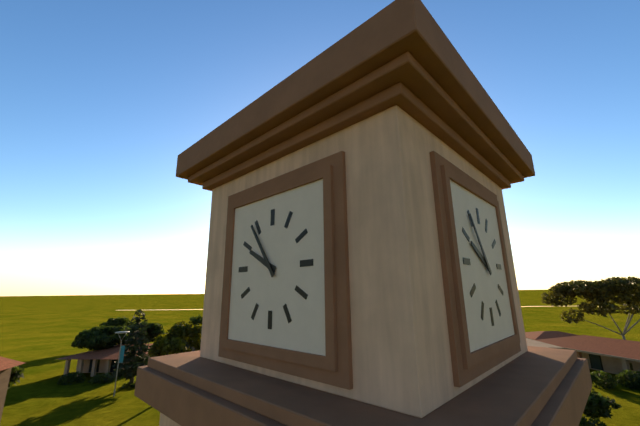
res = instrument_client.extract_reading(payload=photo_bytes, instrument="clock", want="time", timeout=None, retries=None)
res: 9:54
